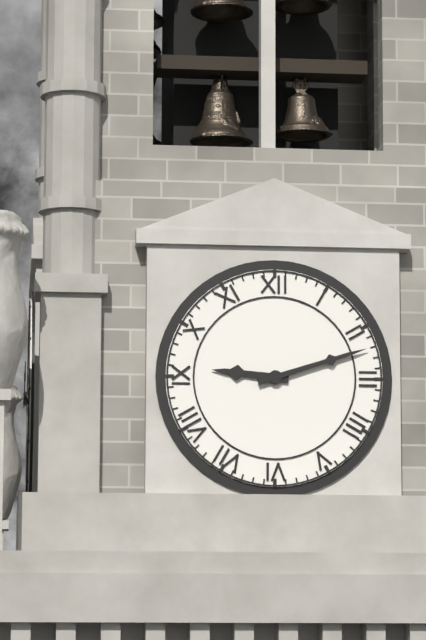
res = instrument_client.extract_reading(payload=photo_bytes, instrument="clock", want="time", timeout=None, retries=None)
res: 9:12
